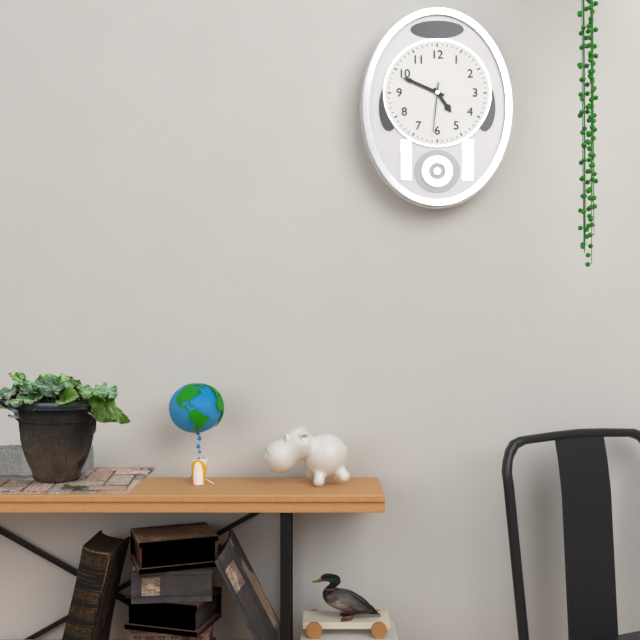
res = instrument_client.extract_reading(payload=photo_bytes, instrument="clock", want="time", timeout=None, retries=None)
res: 4:49:31
